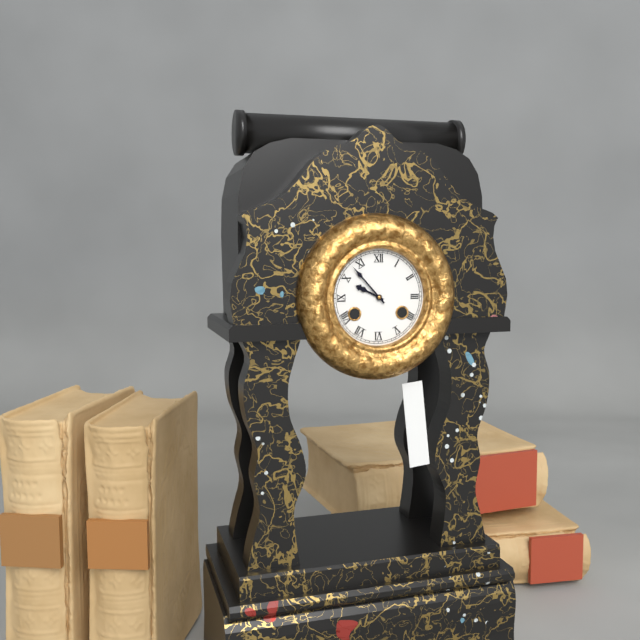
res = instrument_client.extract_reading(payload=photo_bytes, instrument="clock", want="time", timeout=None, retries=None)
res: 9:53
